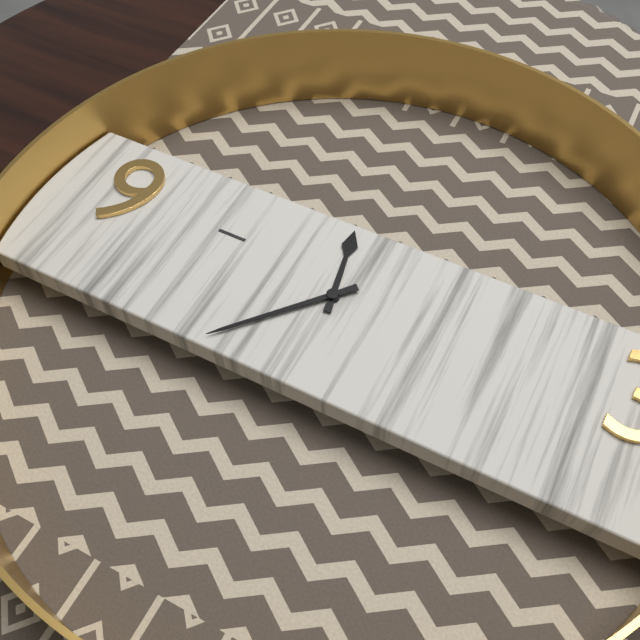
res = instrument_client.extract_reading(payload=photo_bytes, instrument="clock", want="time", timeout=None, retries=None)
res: 11:37
